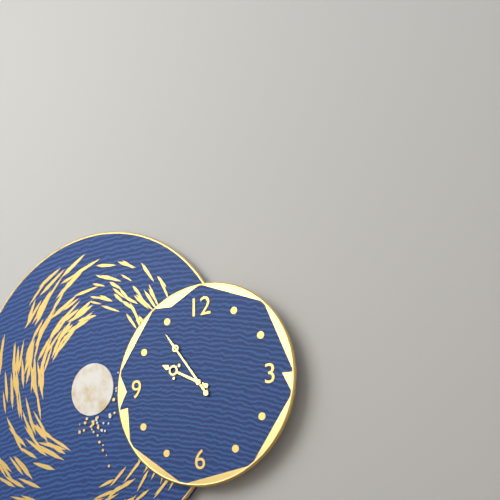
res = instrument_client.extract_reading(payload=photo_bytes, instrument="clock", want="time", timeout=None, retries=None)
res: 9:54
